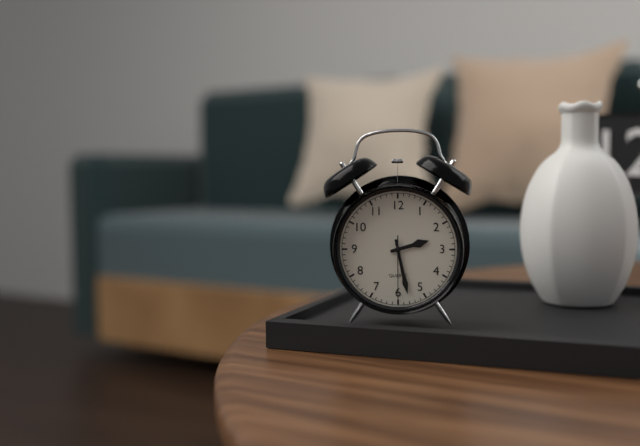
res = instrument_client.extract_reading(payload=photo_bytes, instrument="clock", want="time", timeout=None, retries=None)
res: 2:28:30
